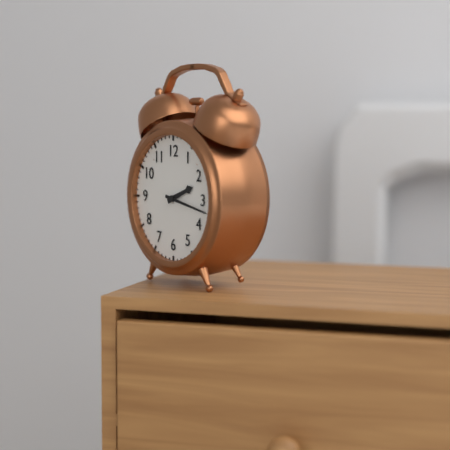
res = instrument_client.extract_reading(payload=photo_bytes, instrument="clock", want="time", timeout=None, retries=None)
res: 2:17
